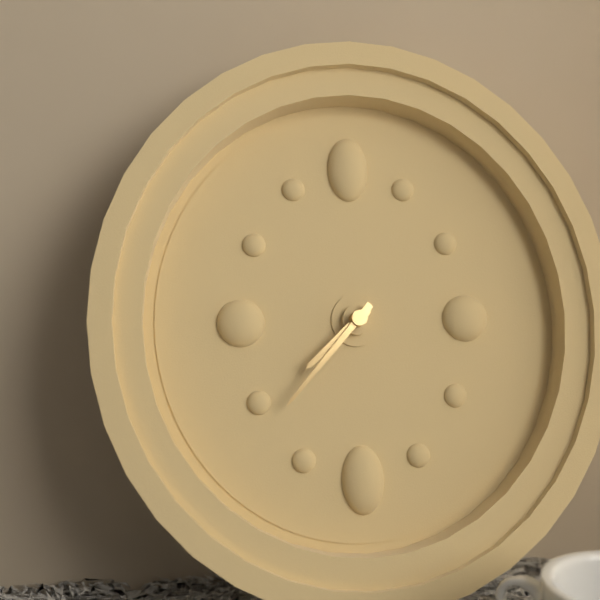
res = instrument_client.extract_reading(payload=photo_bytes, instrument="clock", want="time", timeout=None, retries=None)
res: 7:37
